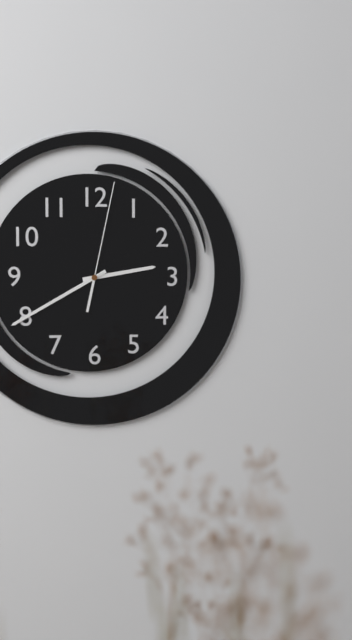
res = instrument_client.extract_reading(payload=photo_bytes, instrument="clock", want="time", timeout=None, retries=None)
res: 2:40:02
